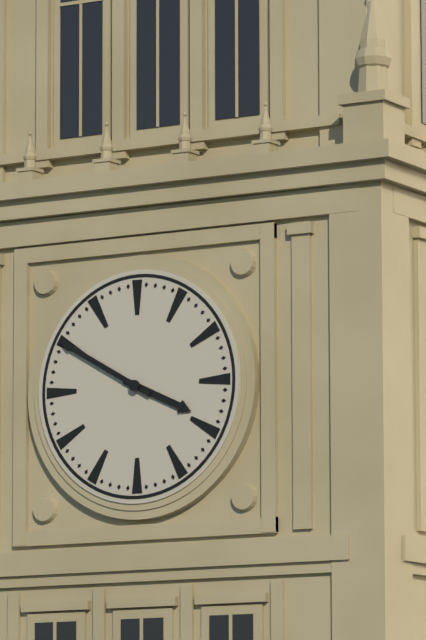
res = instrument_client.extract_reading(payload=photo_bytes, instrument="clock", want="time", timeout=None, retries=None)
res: 3:50
